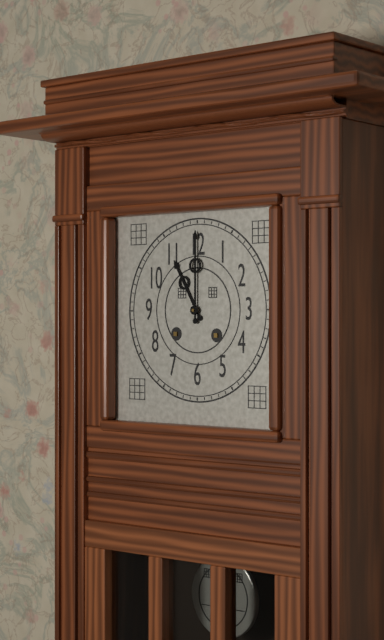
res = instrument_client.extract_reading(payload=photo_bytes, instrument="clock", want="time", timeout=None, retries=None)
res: 11:00
